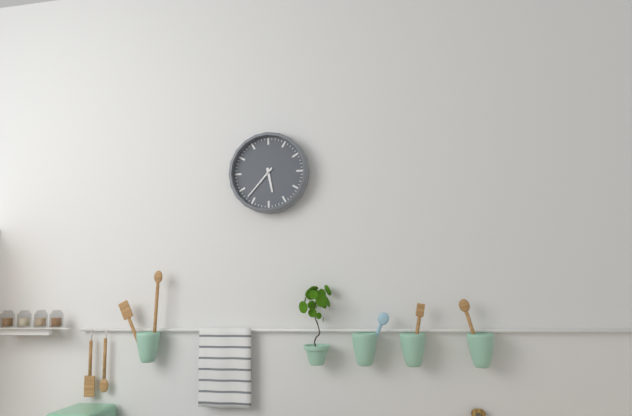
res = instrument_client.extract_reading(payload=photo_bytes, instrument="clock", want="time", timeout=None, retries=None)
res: 5:37
